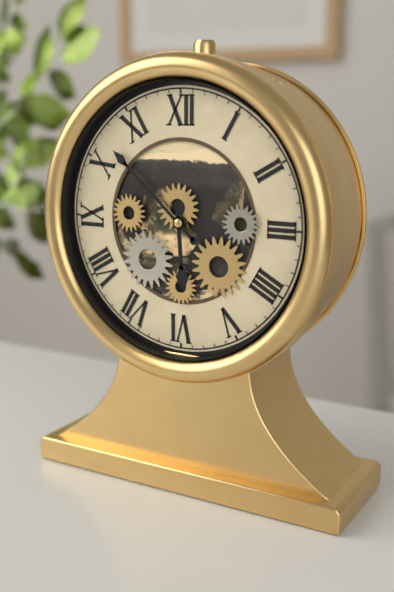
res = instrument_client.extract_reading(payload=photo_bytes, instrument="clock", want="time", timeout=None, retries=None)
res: 5:52
